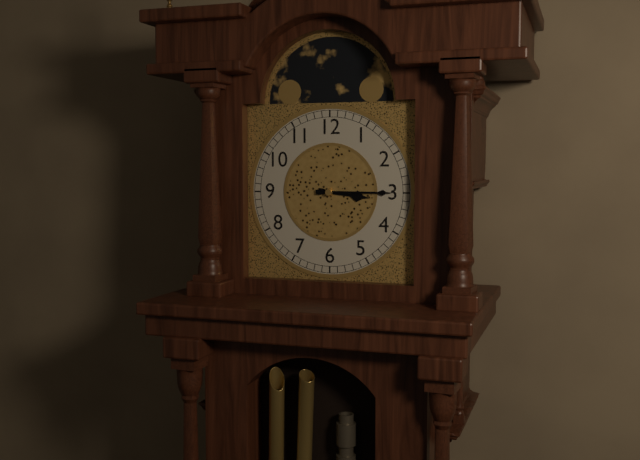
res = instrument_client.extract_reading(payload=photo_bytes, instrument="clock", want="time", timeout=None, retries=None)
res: 3:15
